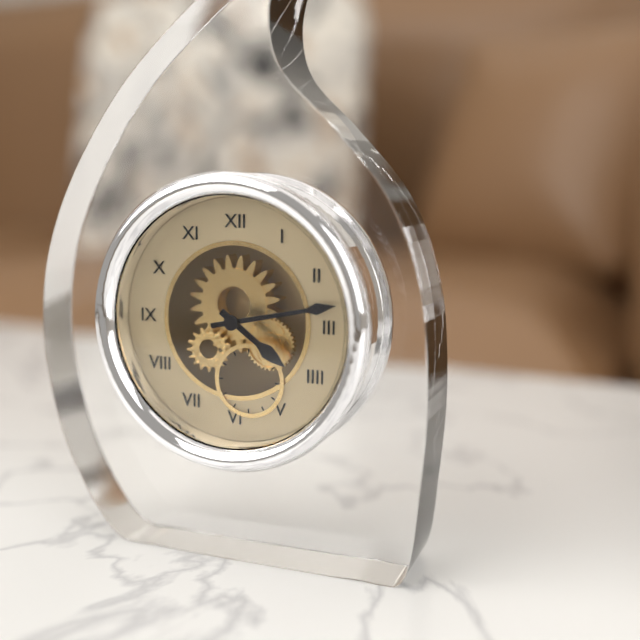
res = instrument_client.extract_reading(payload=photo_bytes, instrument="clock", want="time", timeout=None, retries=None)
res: 4:13
